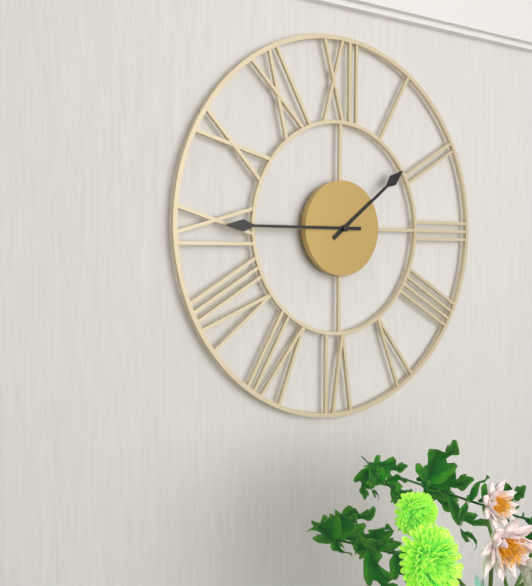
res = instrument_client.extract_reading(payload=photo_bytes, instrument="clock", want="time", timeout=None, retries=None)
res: 1:45
